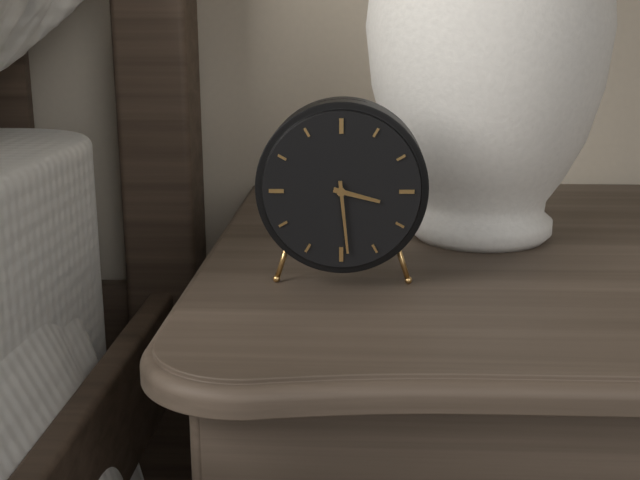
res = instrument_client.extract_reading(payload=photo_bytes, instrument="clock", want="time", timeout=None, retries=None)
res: 3:29
